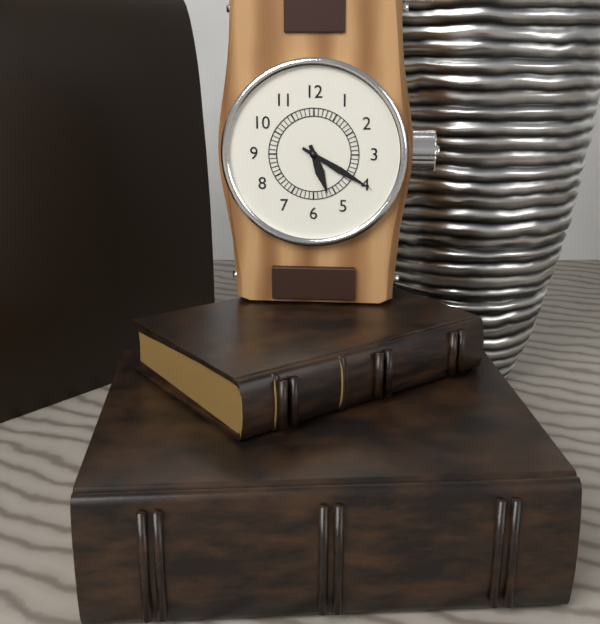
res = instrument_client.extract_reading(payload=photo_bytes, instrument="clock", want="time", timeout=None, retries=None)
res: 5:20
